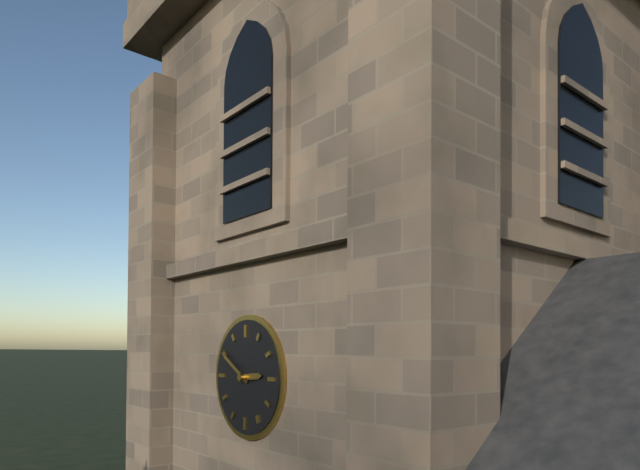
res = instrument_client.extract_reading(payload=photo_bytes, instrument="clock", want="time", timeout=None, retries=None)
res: 2:50
